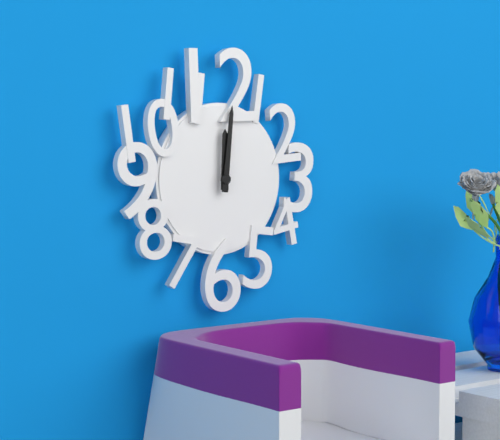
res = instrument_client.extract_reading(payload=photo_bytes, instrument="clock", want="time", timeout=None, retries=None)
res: 12:01
